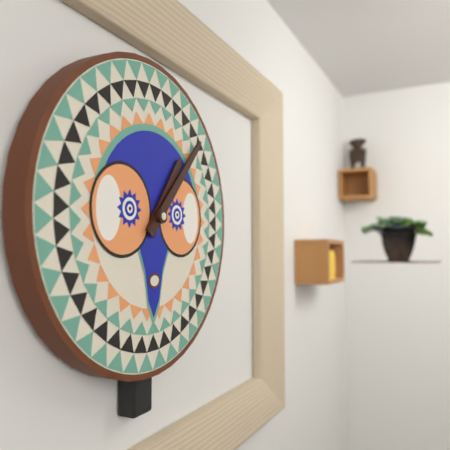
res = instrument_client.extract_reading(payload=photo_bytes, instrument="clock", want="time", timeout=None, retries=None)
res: 1:07
